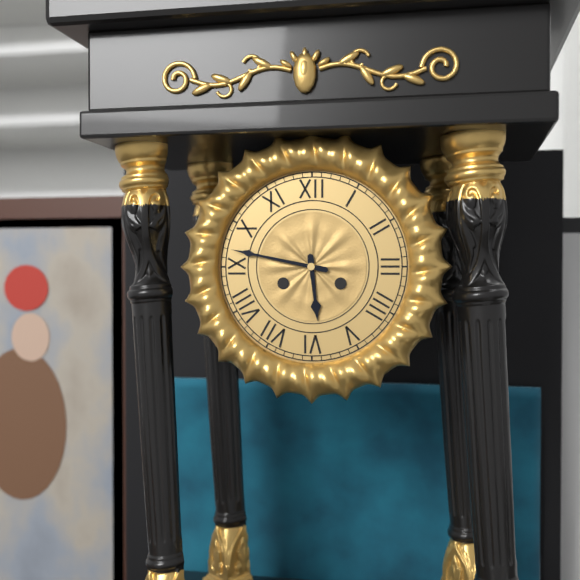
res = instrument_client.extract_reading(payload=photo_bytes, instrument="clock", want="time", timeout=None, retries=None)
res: 5:47
